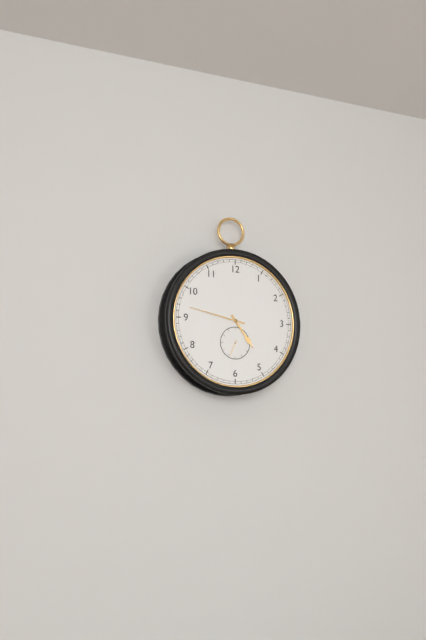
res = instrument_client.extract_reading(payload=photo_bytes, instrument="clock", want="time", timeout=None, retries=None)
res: 4:47
